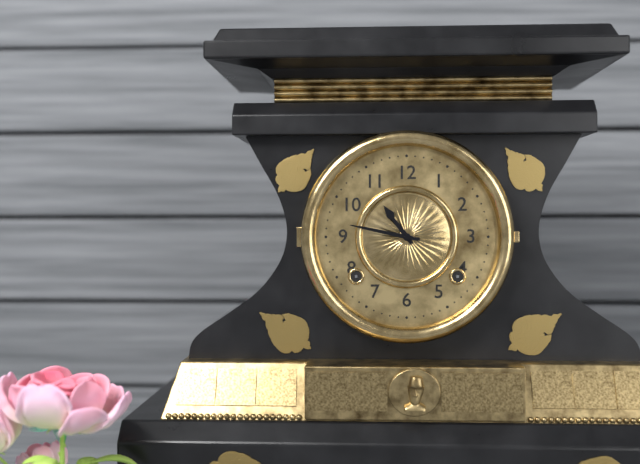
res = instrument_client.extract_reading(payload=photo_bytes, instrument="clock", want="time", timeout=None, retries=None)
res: 10:47
